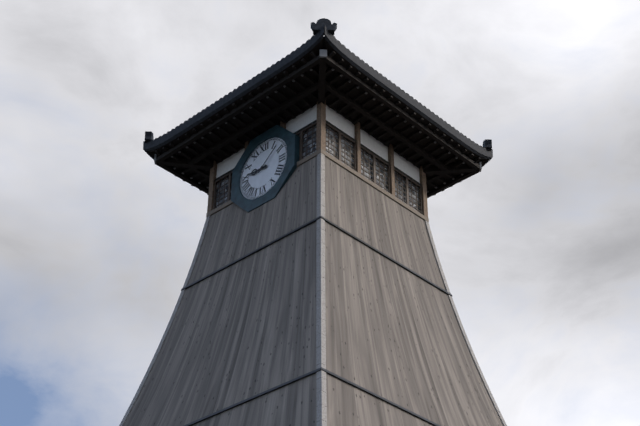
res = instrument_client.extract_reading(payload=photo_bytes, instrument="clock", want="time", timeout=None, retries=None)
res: 9:08
